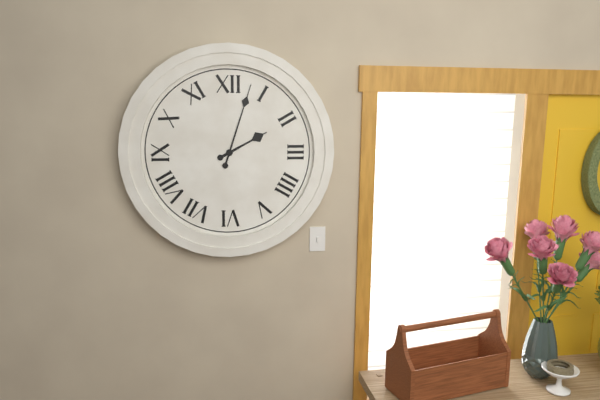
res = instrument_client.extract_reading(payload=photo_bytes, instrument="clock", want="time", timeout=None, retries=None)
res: 2:03
